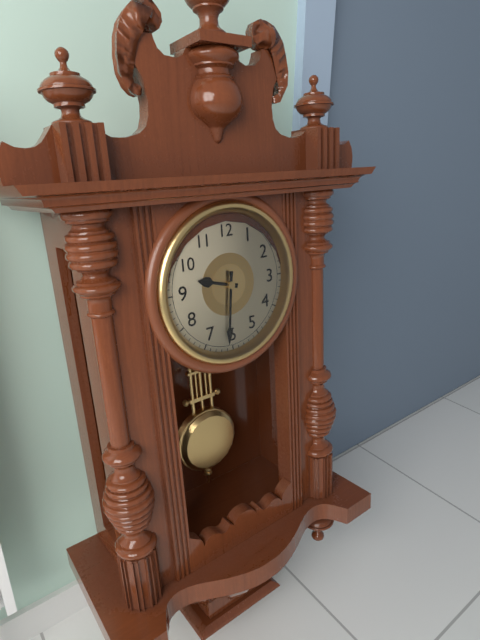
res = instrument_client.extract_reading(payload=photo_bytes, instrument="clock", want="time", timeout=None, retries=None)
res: 9:31
